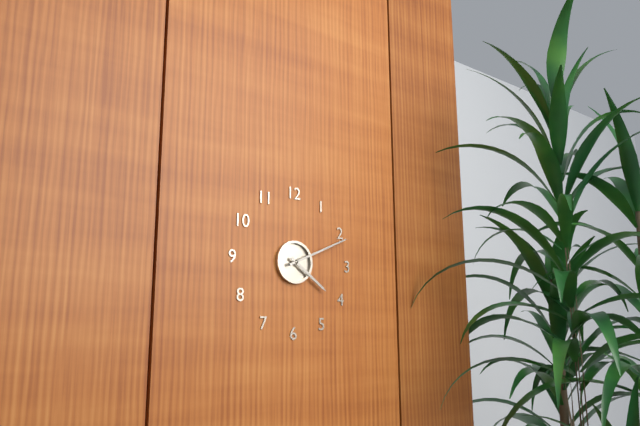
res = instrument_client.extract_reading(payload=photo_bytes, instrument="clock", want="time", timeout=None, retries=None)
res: 4:11
